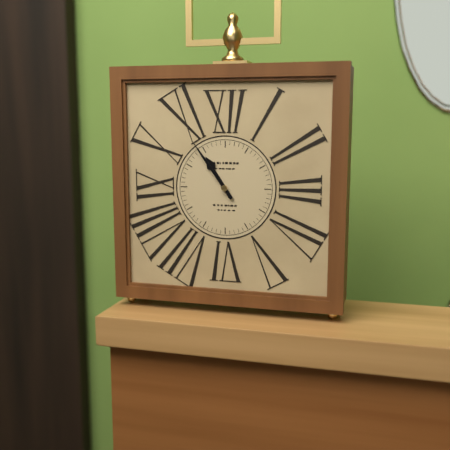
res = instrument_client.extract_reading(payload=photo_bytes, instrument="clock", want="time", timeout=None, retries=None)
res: 10:54
